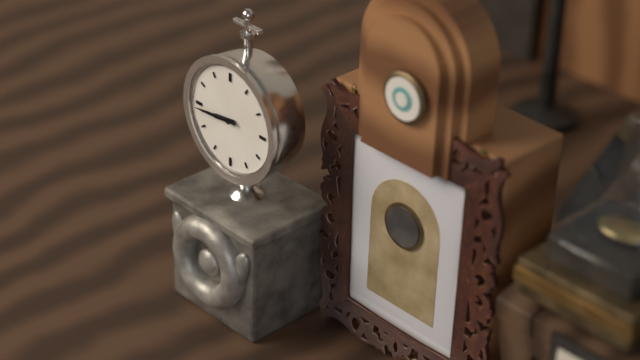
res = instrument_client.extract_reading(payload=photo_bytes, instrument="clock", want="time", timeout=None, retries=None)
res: 8:44
